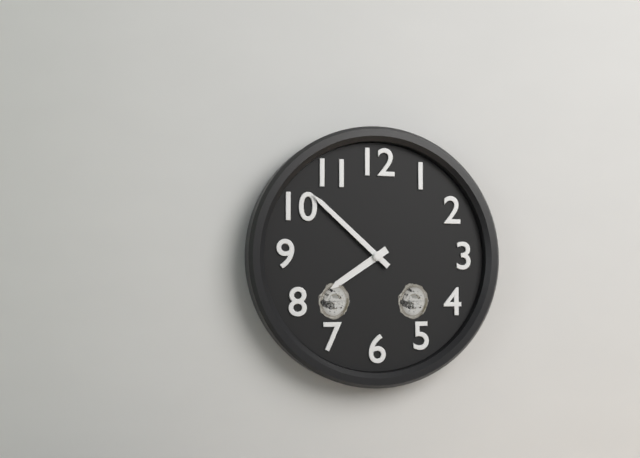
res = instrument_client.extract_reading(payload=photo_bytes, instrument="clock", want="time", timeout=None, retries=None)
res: 7:52
